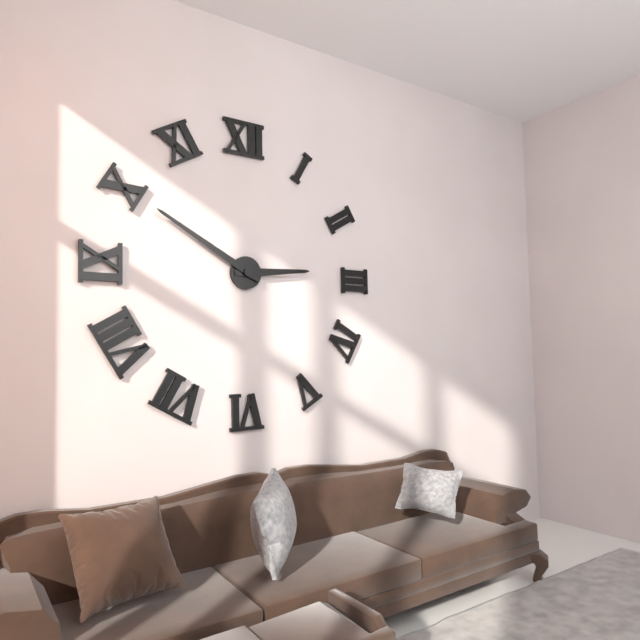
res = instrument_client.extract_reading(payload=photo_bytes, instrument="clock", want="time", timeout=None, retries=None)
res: 2:50
